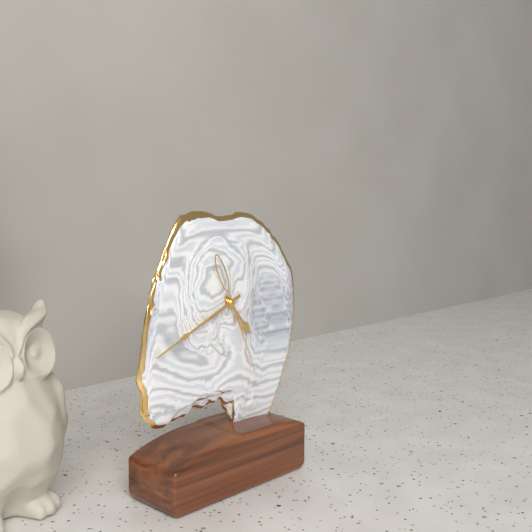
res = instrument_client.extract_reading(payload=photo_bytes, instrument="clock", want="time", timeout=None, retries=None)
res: 4:41:26
